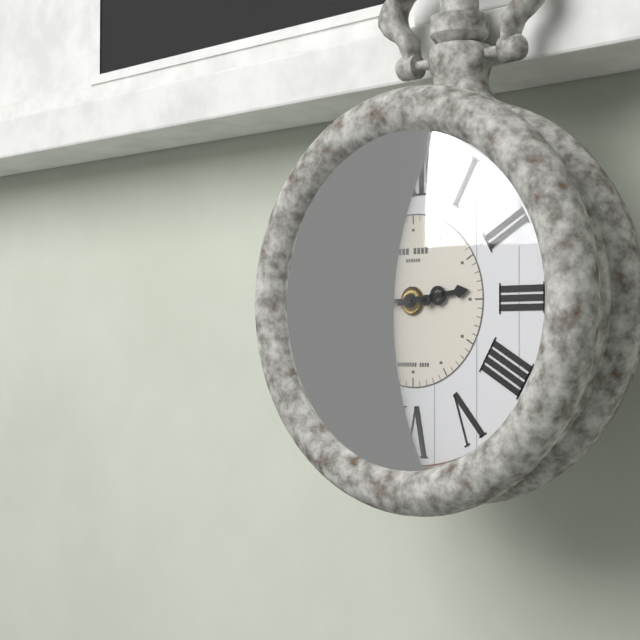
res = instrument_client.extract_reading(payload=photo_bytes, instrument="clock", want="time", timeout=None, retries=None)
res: 2:45
